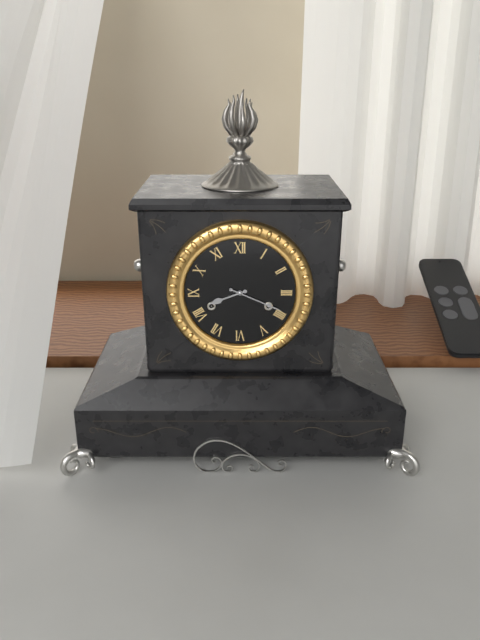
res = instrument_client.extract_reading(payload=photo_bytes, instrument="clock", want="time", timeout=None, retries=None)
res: 8:19
